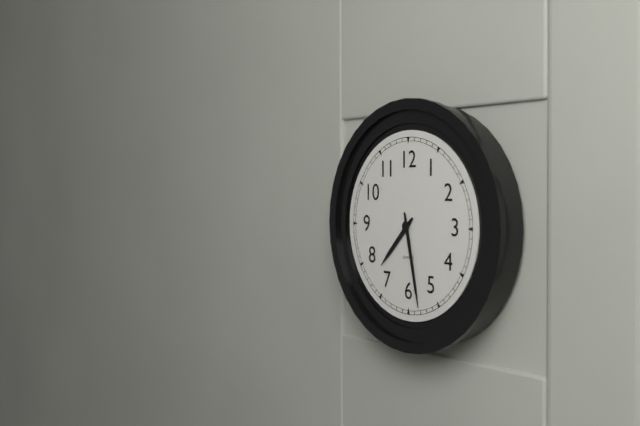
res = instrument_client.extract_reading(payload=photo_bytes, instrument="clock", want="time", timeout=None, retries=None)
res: 7:28
